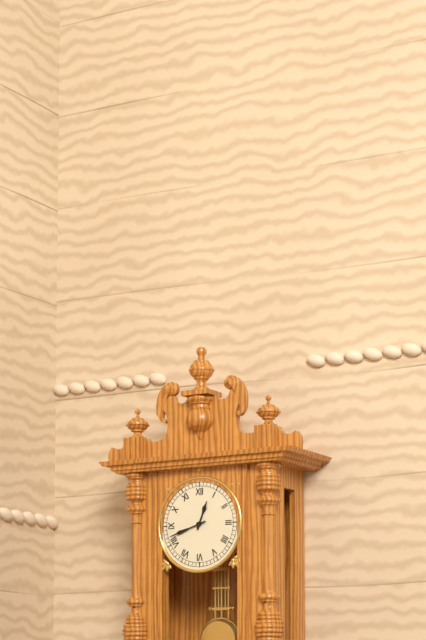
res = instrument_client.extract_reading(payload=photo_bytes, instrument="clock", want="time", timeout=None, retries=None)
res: 12:42
